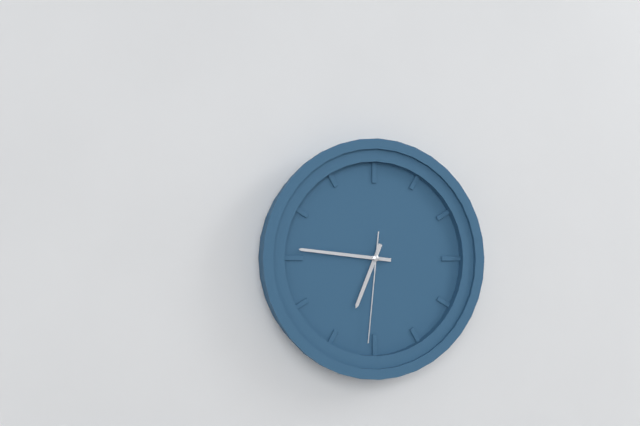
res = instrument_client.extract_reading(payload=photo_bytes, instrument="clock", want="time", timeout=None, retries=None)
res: 6:46:31
